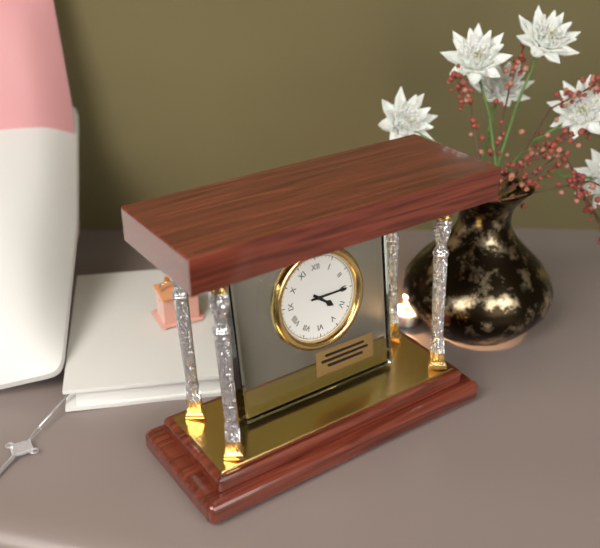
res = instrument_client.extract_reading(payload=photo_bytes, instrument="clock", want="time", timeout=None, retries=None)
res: 4:15
